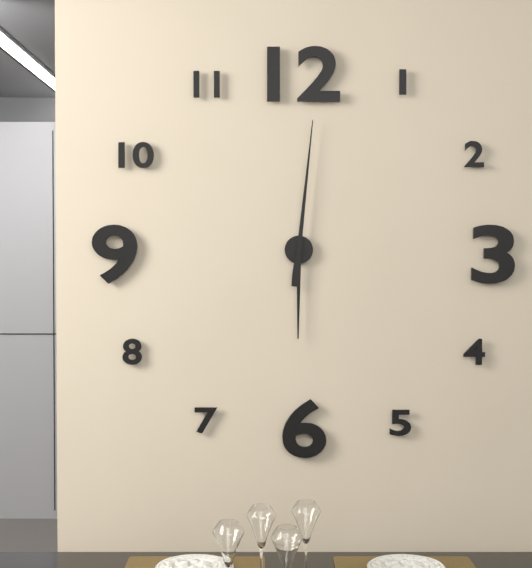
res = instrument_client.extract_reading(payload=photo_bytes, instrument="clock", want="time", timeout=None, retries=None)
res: 6:01
